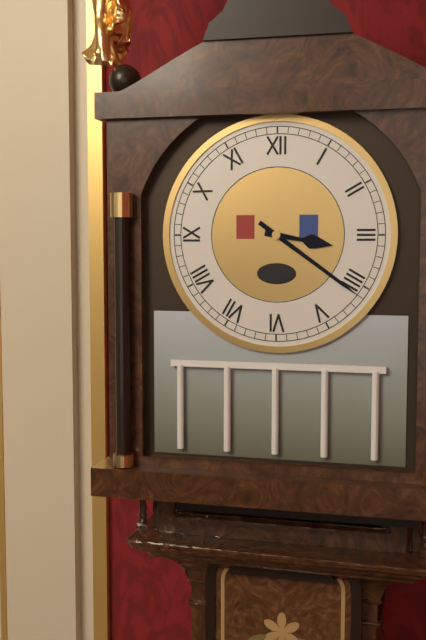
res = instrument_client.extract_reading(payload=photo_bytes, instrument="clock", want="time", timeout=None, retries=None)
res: 3:21
